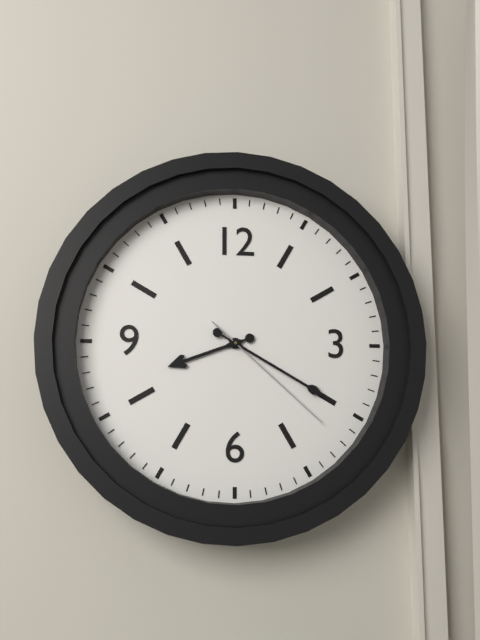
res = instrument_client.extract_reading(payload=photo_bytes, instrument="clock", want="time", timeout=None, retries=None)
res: 8:20:22
